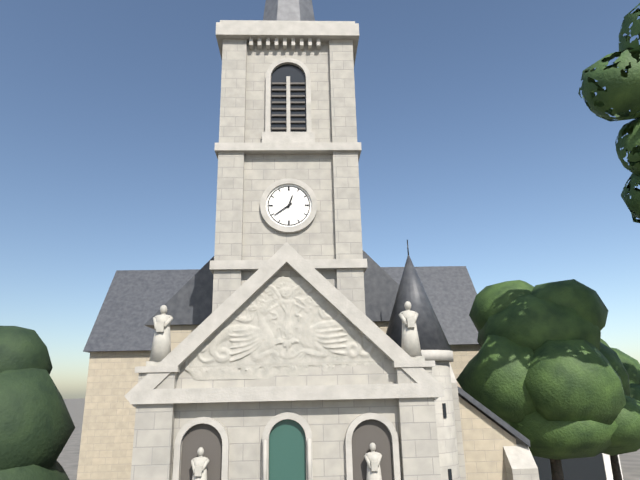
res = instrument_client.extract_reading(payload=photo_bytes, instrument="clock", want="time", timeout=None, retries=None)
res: 12:39
